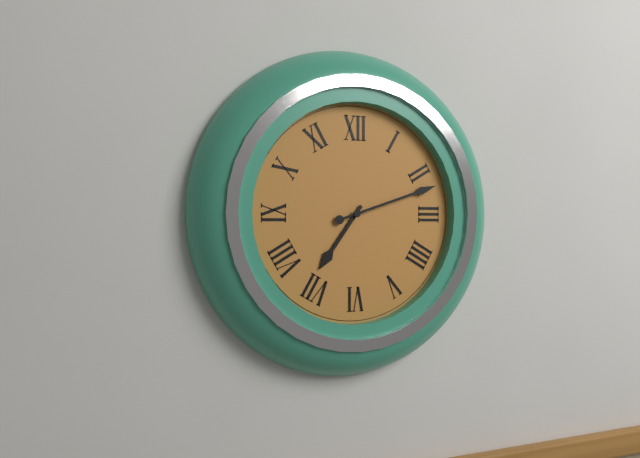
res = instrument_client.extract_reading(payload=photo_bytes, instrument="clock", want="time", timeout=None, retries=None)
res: 7:12
